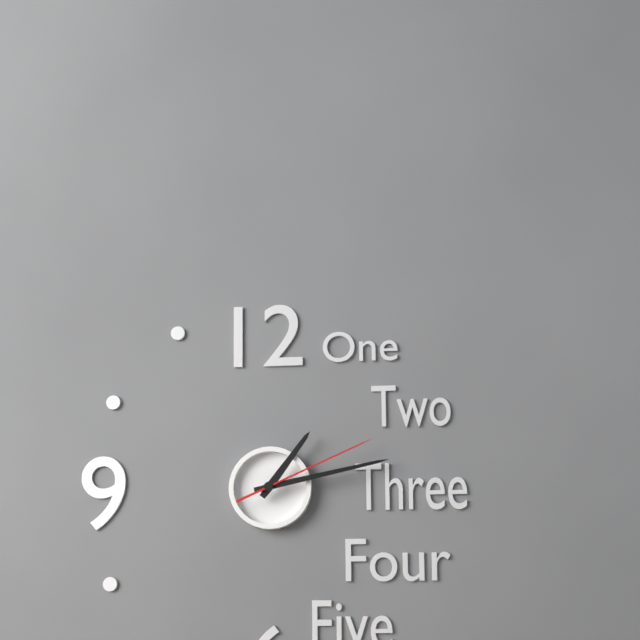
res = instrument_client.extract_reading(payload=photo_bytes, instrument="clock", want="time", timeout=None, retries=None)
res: 1:13:11
